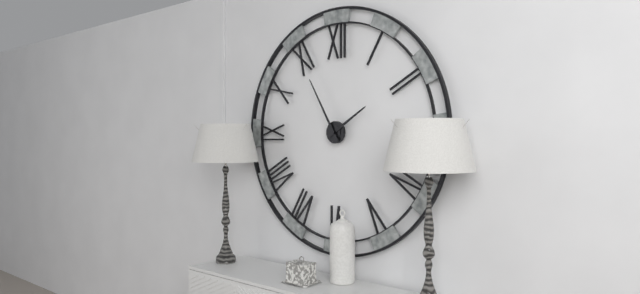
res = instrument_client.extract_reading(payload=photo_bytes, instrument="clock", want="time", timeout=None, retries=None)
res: 1:55
